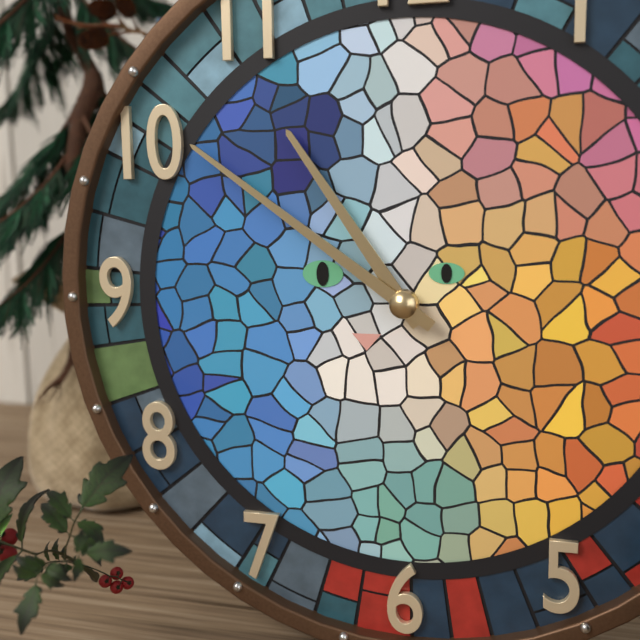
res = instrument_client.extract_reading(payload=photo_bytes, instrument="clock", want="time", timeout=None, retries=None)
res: 10:51
